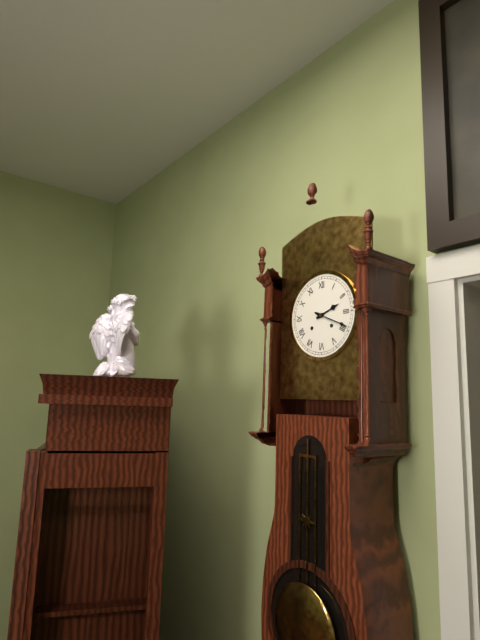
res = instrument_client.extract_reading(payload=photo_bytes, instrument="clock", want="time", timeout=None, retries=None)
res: 2:19
